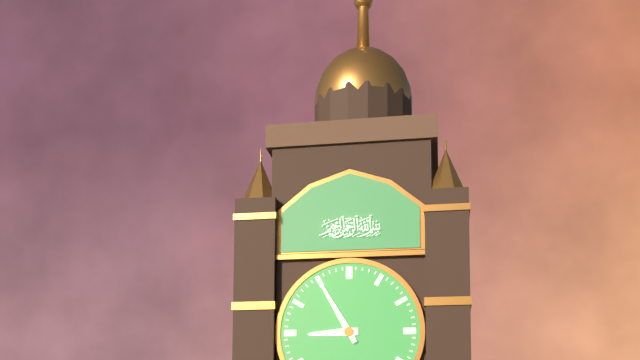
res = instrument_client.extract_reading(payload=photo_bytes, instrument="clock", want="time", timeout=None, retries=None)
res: 8:55
